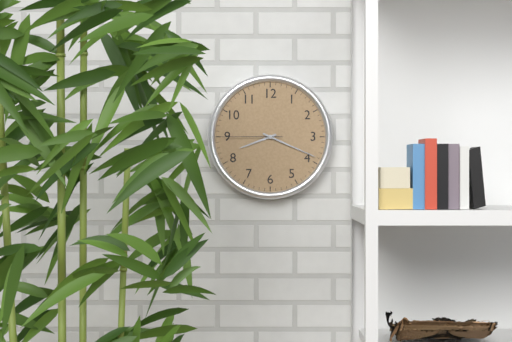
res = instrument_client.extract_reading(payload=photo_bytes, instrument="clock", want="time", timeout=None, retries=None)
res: 8:19:45
